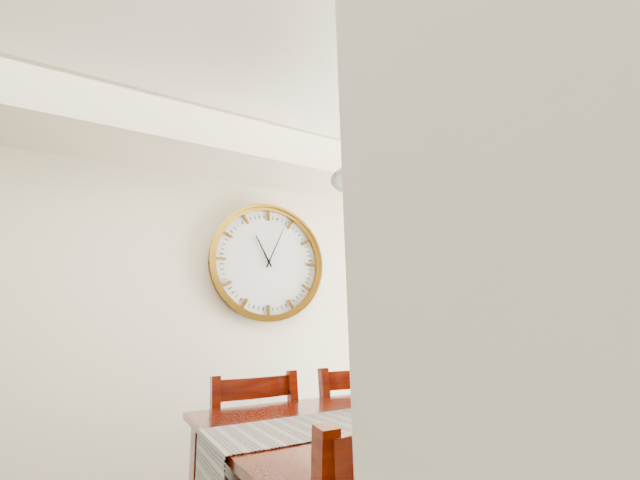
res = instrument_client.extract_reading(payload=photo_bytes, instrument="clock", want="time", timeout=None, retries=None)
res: 11:04
